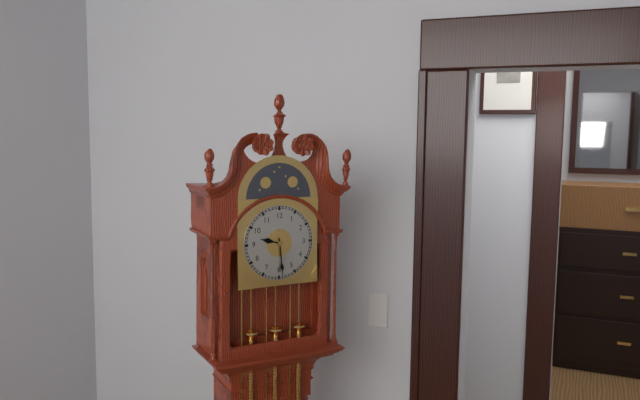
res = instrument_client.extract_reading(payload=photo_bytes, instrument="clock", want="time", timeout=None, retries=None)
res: 9:29
